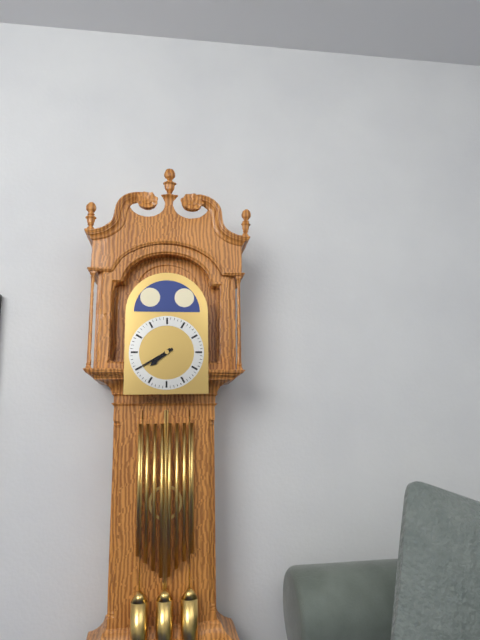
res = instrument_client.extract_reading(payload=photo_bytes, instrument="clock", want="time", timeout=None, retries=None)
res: 7:40
